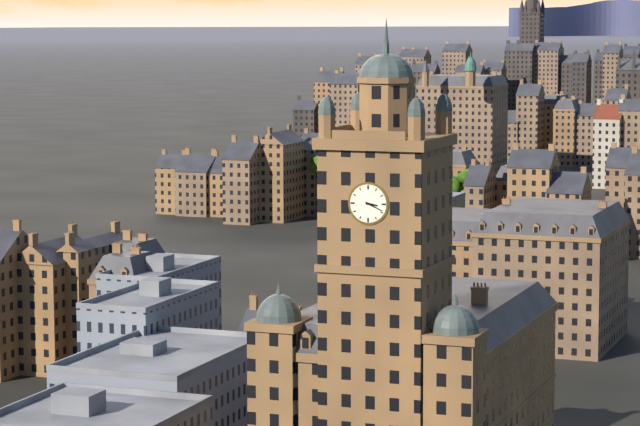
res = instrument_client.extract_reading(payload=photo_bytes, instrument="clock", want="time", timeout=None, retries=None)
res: 3:19
